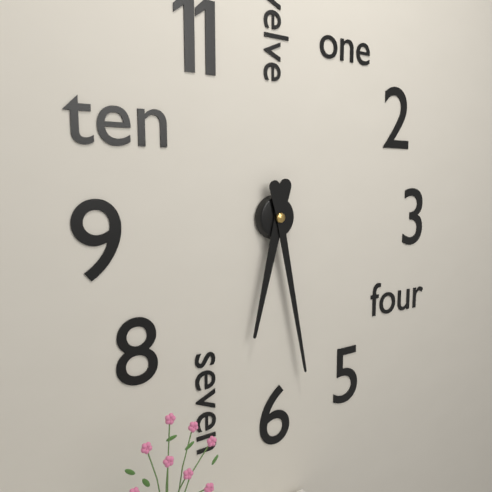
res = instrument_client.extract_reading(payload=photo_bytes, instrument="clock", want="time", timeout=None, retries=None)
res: 6:28
